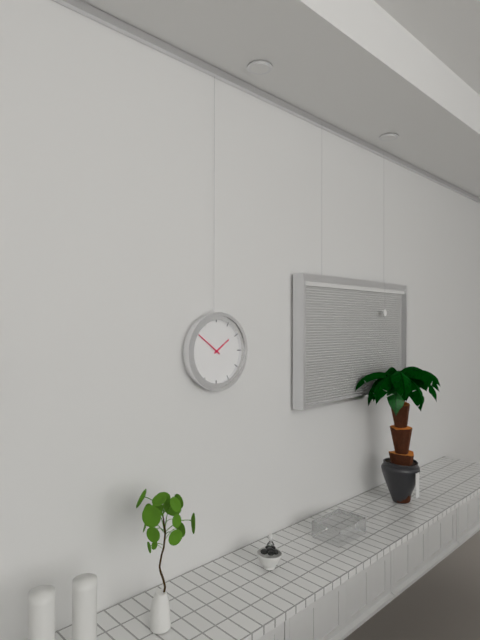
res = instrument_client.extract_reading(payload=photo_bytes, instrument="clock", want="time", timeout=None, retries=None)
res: 1:51
